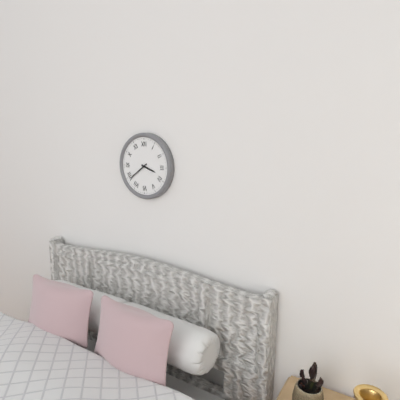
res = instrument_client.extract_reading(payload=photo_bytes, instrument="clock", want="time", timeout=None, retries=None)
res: 3:39
